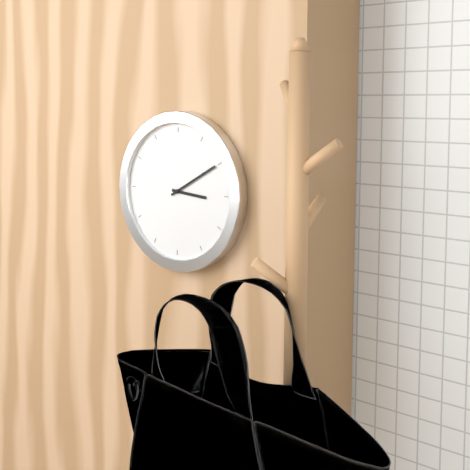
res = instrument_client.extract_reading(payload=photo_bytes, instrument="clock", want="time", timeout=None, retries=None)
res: 3:10
